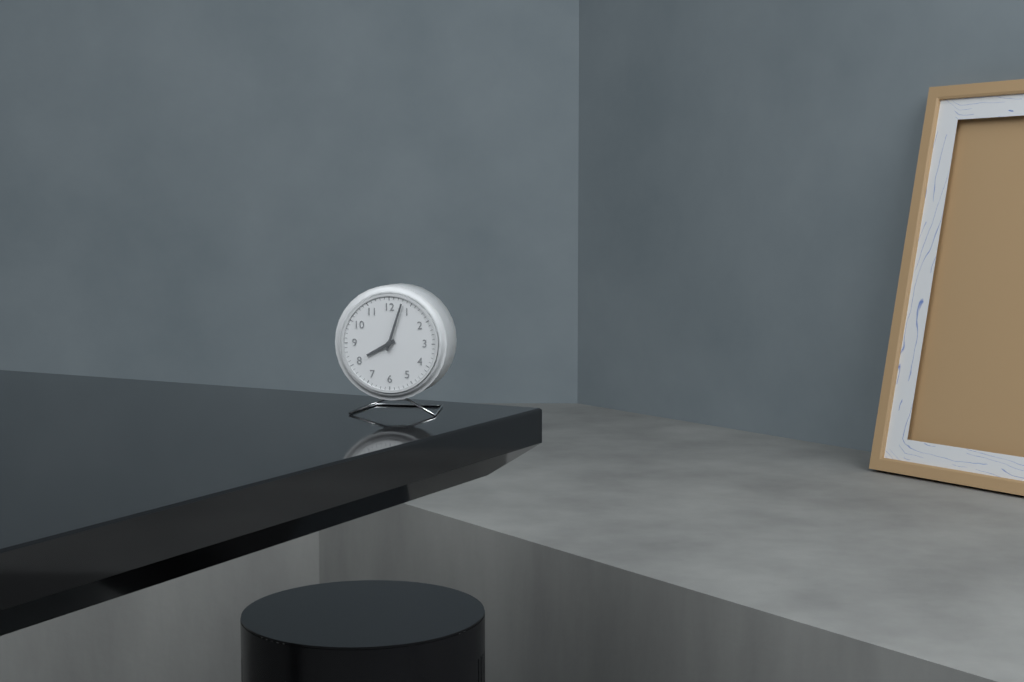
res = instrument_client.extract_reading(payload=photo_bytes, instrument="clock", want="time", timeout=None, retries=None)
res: 8:03
